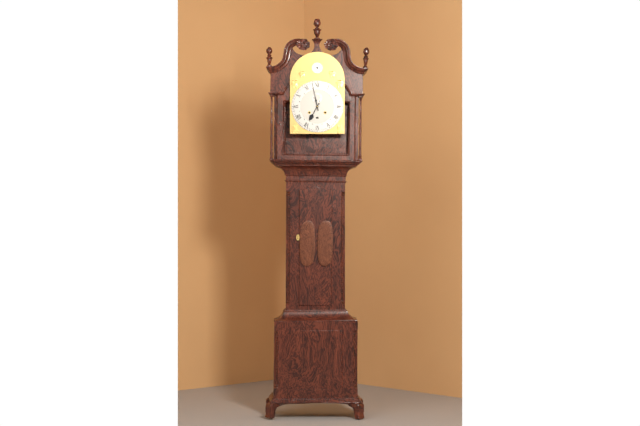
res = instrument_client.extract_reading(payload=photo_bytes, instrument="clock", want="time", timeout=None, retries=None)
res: 6:58
